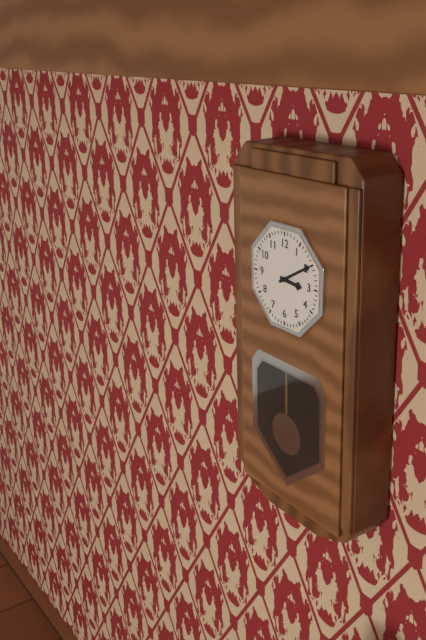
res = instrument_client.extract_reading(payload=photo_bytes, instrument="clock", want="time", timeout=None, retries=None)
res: 3:10
